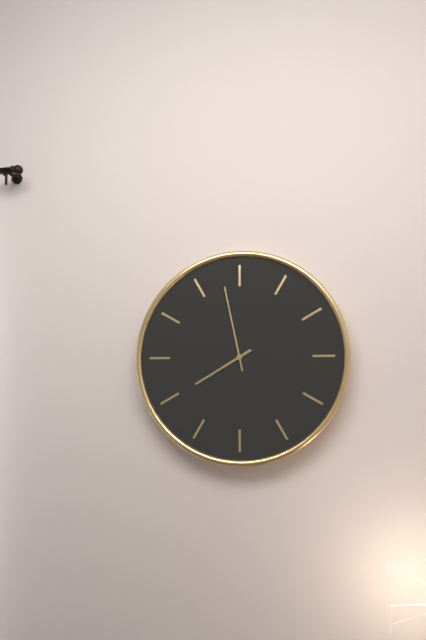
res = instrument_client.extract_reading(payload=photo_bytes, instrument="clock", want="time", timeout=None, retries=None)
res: 7:58
